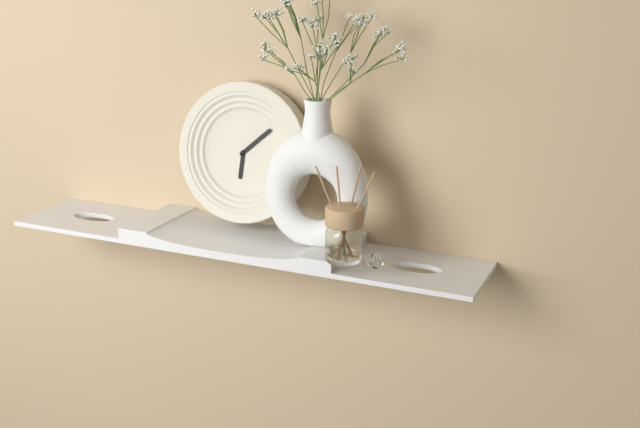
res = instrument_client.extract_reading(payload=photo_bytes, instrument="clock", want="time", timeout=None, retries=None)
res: 6:08
